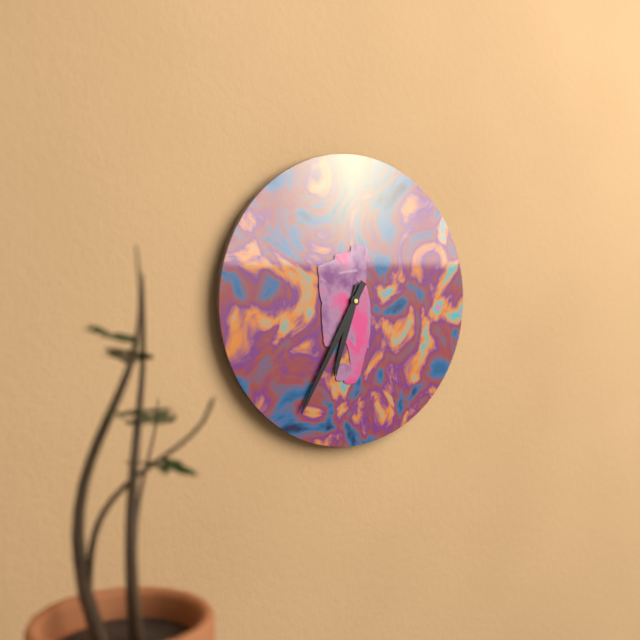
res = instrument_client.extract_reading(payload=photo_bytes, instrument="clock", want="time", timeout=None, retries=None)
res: 6:35
